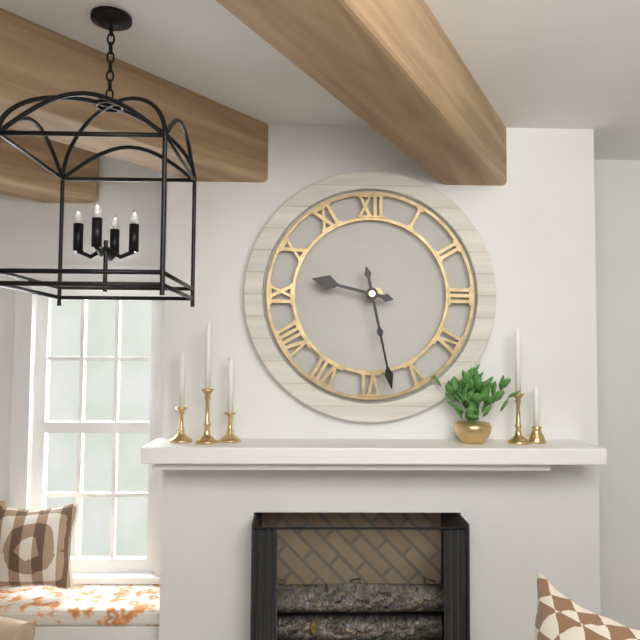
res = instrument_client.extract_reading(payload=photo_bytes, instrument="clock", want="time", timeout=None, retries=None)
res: 9:28
